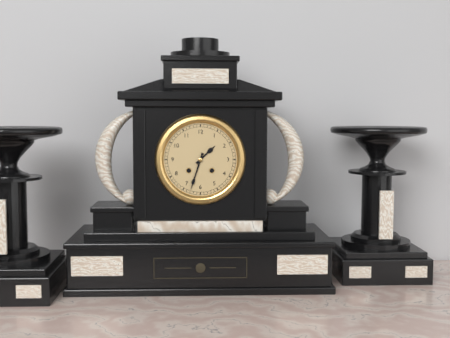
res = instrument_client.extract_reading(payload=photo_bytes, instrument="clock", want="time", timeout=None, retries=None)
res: 1:33
